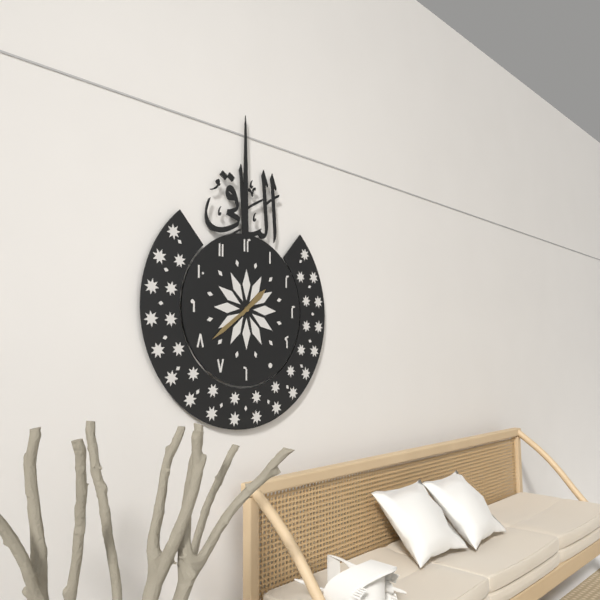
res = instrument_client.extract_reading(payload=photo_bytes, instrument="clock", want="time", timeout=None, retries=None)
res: 1:39
